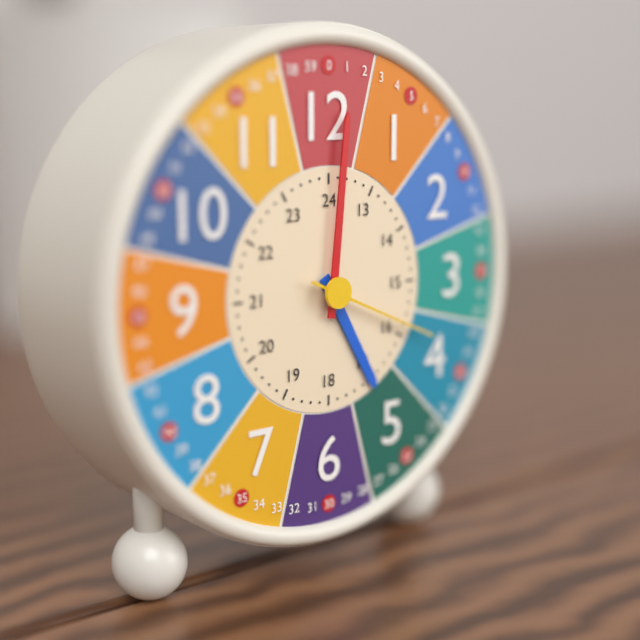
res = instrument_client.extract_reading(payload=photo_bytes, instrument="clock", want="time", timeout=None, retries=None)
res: 5:01:19
